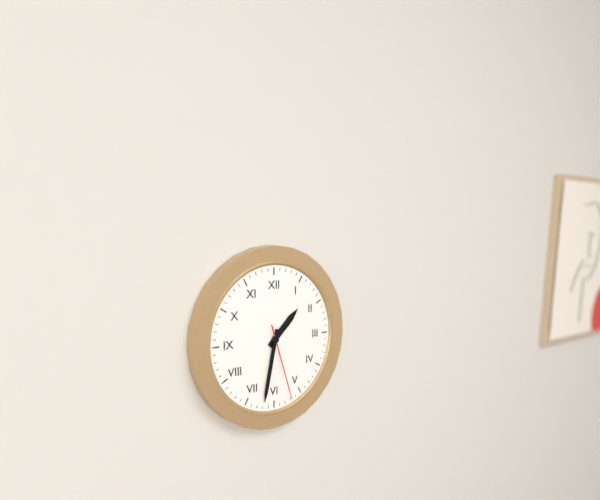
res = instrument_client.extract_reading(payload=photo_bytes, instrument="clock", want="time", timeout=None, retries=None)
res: 1:32:27
